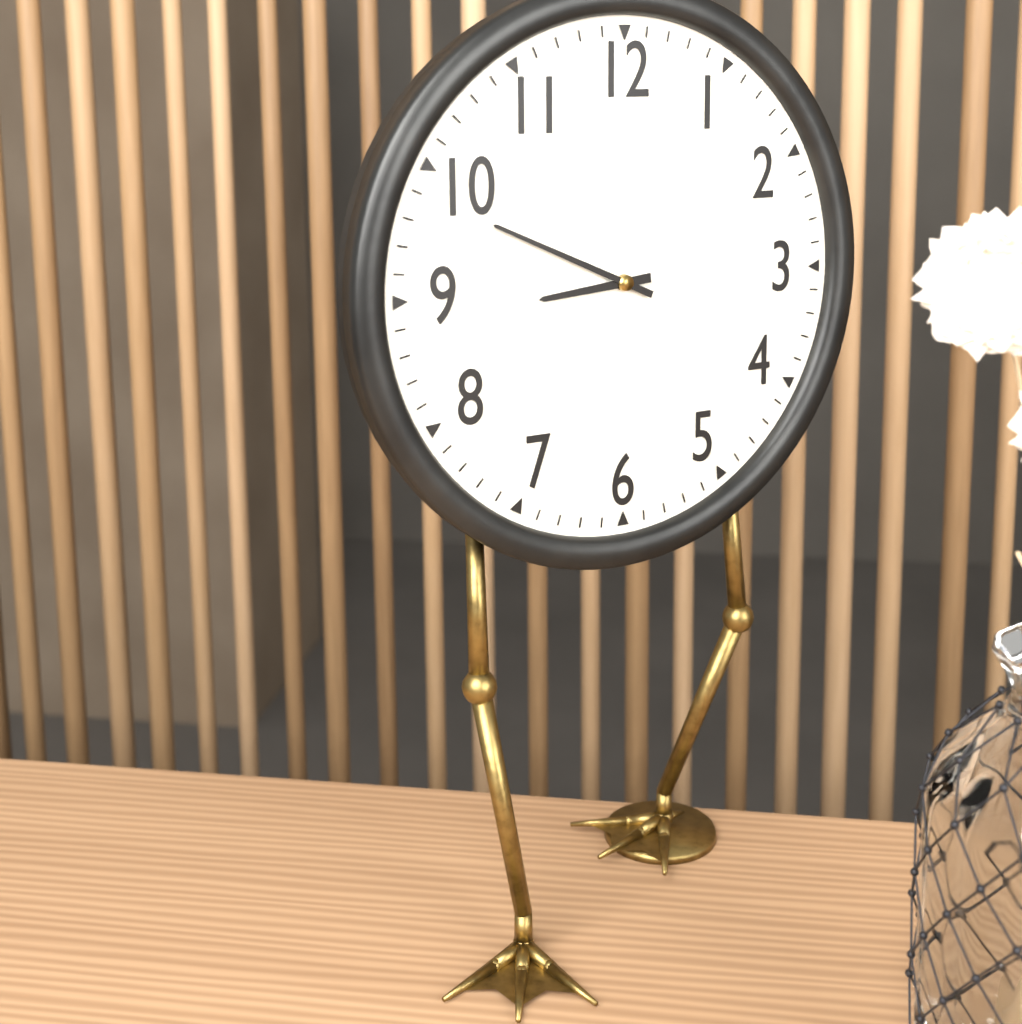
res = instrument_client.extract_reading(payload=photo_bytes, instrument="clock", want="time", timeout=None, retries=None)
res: 8:49
